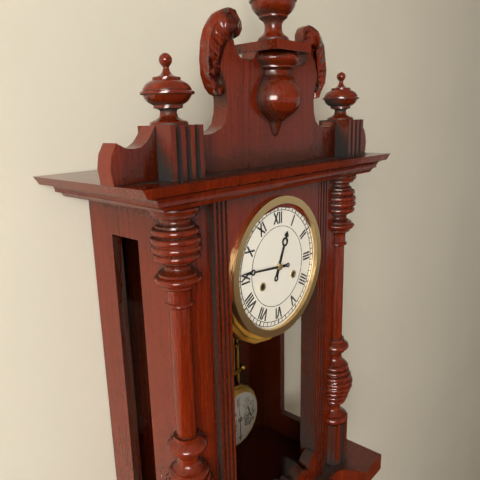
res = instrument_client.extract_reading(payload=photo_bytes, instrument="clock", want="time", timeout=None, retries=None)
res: 12:46
